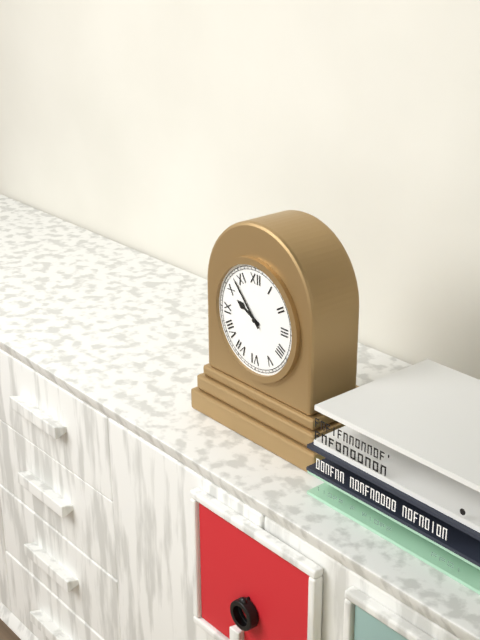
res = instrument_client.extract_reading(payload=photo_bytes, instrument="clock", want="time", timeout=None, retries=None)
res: 9:53
